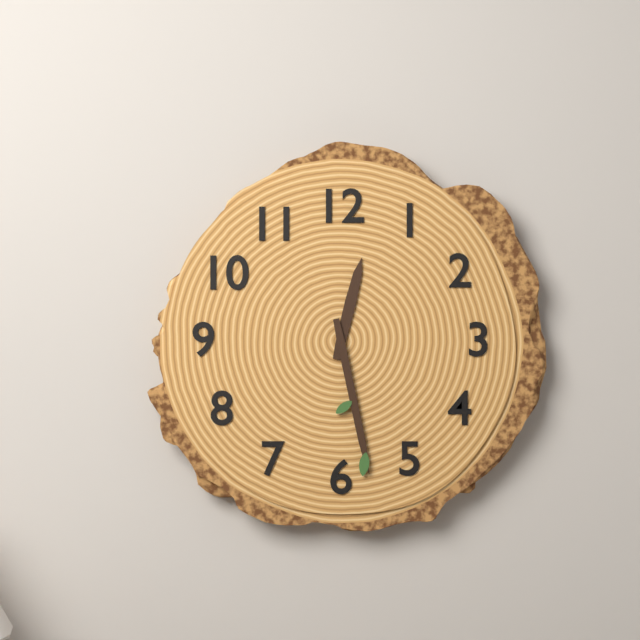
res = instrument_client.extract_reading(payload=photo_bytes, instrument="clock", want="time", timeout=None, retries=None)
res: 12:28
